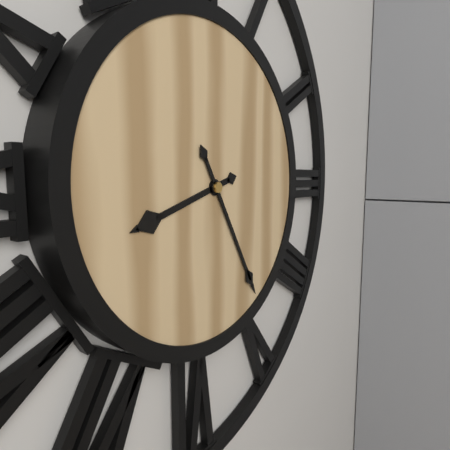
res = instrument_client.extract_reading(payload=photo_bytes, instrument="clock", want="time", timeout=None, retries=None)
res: 8:25
